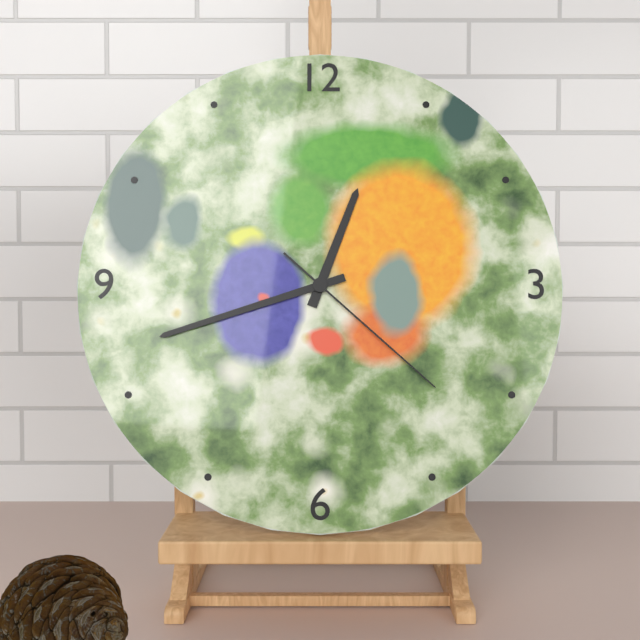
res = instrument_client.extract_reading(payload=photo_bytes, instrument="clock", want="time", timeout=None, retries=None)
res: 12:42:22
